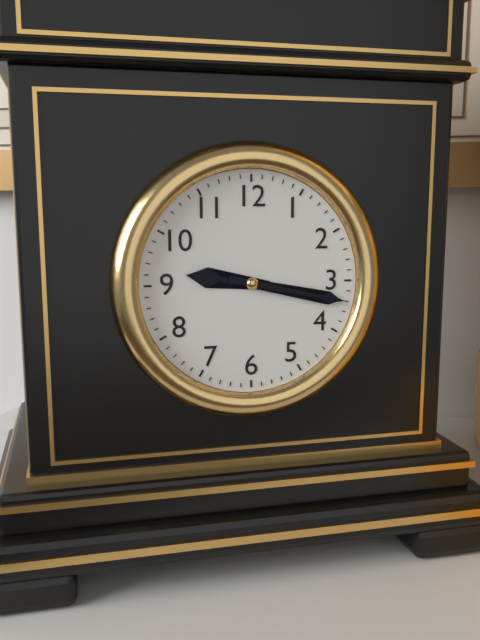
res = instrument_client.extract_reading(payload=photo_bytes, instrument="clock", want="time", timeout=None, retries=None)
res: 9:17
